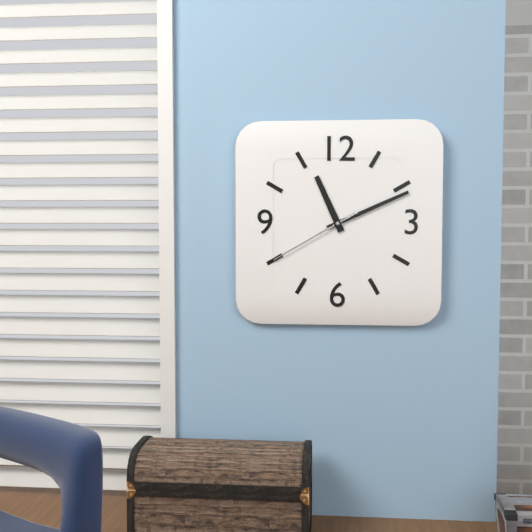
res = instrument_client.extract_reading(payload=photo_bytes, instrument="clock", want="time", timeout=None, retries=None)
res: 11:11:40
